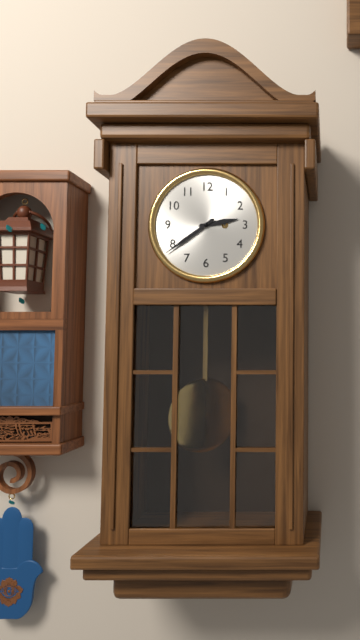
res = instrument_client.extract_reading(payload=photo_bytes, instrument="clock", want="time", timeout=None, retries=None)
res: 2:39
